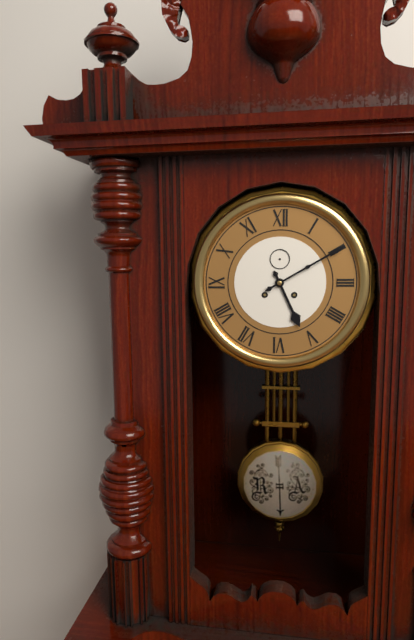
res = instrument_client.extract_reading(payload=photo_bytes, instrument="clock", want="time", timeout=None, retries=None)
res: 5:10
